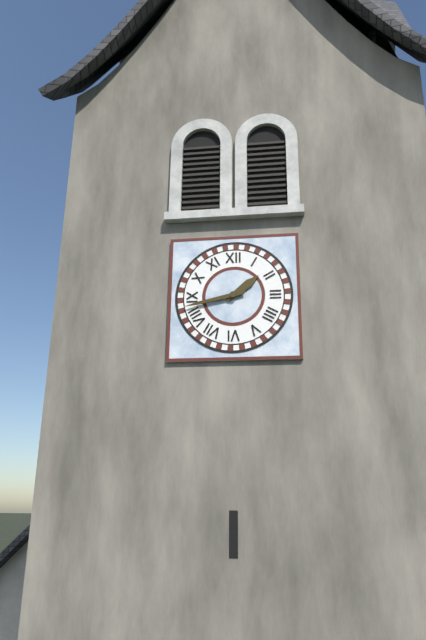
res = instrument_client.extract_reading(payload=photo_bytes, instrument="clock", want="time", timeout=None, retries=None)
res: 1:43
